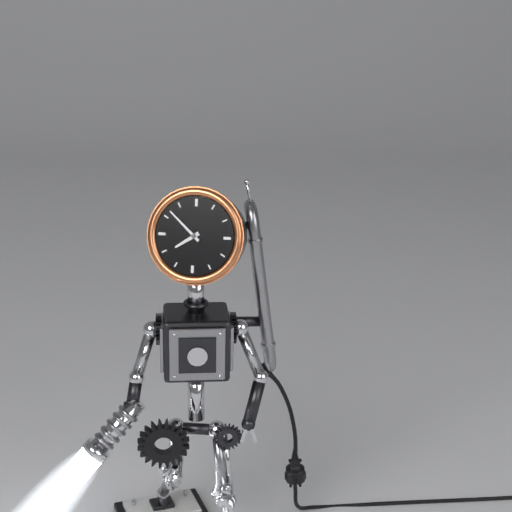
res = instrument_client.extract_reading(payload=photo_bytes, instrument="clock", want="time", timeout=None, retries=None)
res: 7:52
